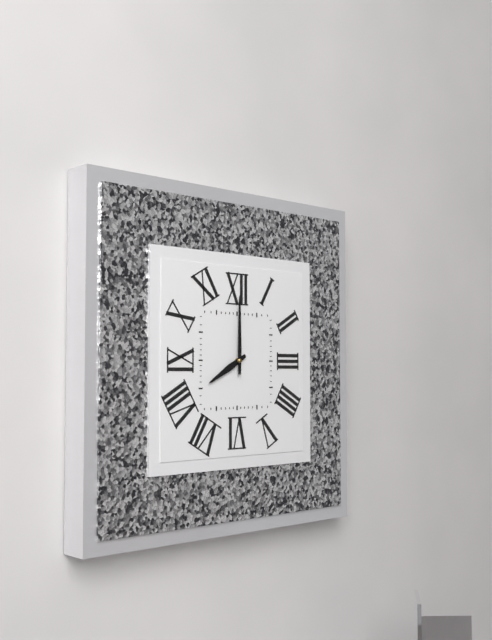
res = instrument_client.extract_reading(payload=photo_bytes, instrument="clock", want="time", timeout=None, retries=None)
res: 8:00
